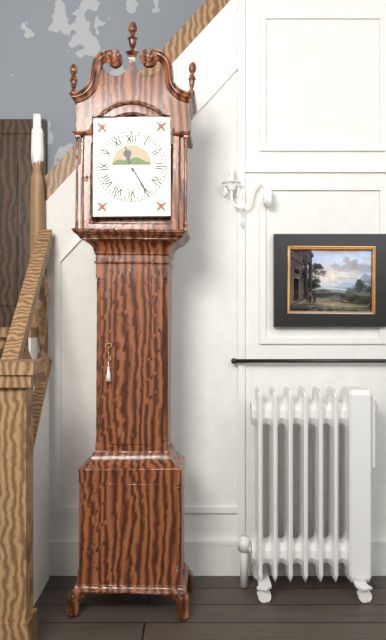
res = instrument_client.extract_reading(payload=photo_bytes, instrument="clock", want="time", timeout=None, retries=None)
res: 11:25
